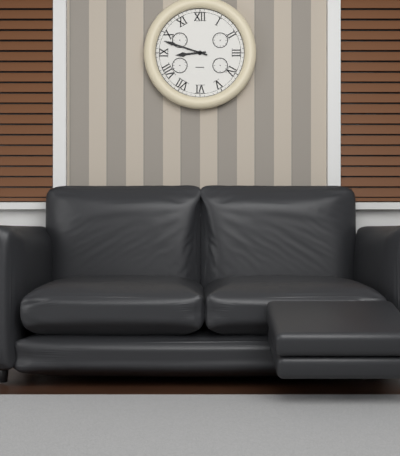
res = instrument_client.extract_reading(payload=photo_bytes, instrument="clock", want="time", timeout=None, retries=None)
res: 8:48
